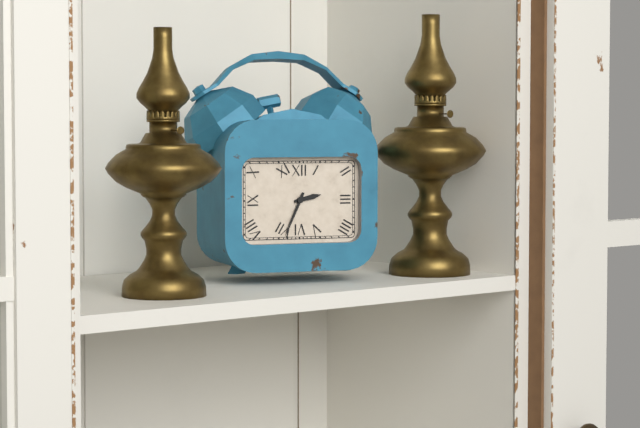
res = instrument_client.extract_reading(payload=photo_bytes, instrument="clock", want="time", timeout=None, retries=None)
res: 2:34
